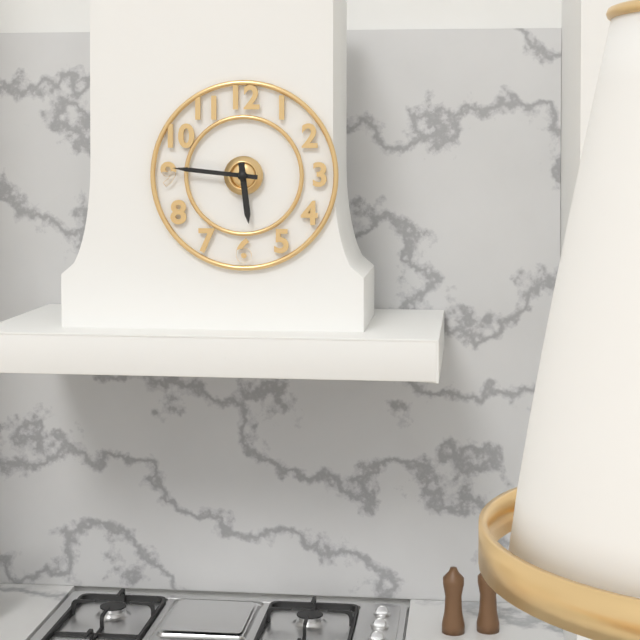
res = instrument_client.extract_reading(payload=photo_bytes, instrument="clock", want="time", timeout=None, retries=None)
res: 5:46
